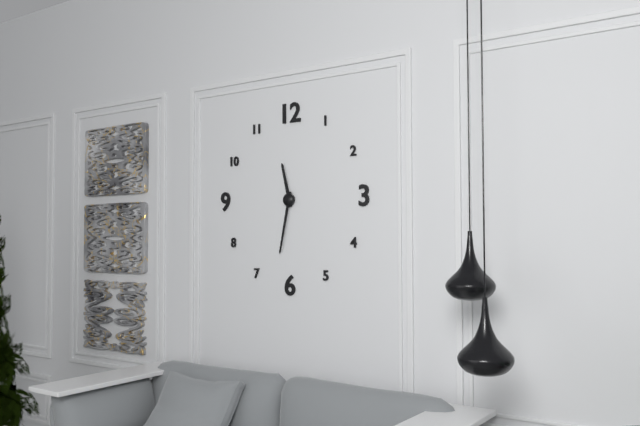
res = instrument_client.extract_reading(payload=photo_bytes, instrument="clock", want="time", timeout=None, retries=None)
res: 11:32
